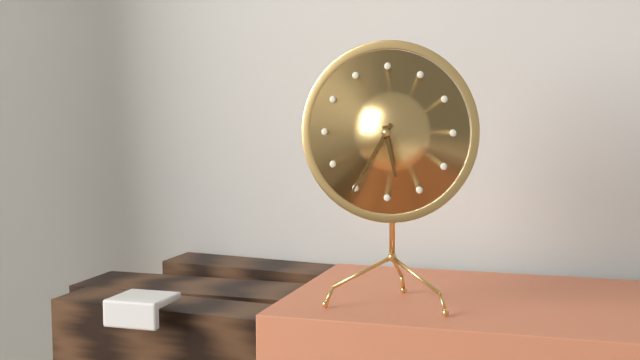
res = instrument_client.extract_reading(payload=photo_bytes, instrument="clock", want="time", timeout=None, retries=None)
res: 5:35
